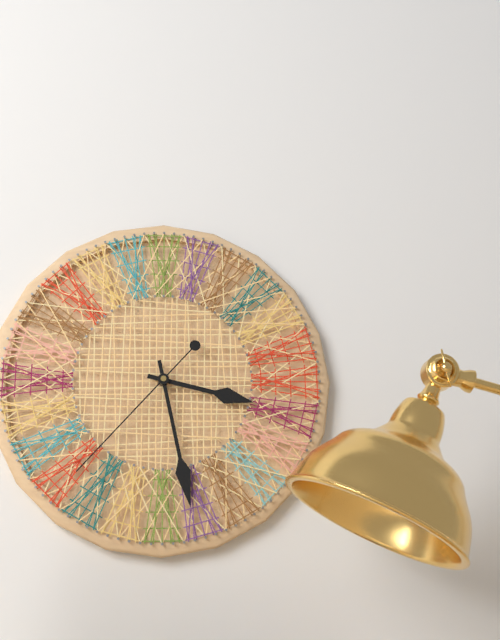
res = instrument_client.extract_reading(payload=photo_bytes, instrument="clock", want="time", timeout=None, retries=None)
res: 3:28:37
